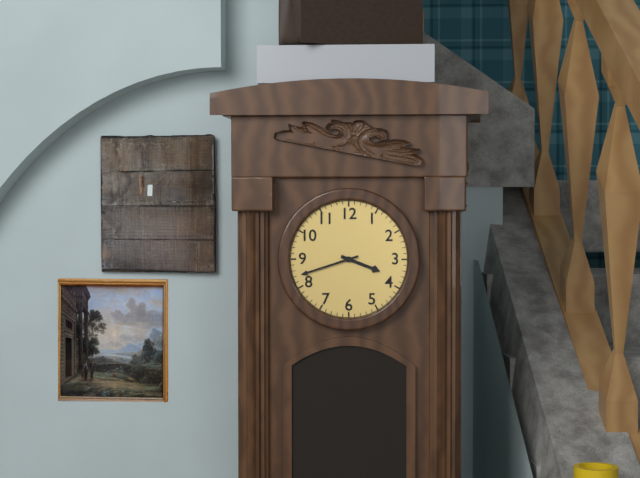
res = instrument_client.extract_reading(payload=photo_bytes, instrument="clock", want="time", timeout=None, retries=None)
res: 3:42
